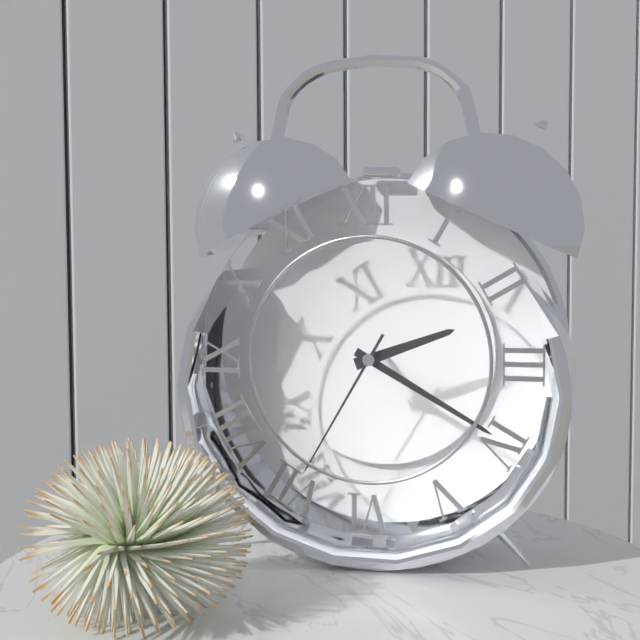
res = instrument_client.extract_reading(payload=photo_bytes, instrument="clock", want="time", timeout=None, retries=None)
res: 2:20:35
